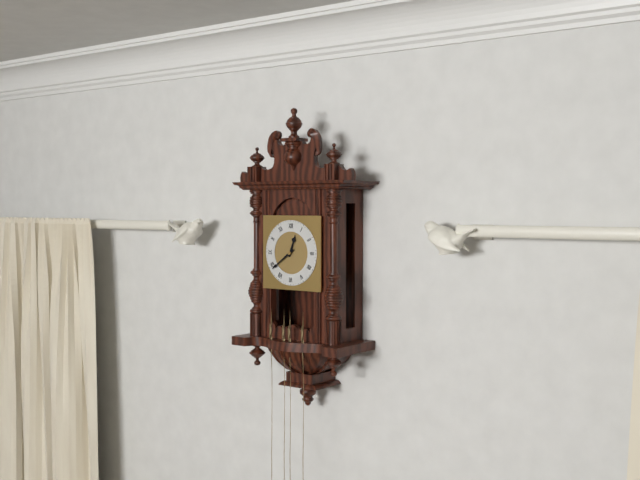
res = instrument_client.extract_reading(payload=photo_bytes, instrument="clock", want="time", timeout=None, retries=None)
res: 12:39
